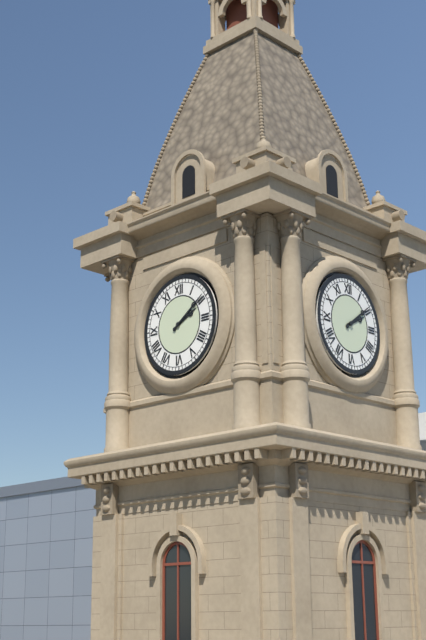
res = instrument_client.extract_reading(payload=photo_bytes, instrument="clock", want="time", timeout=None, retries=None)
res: 2:09
